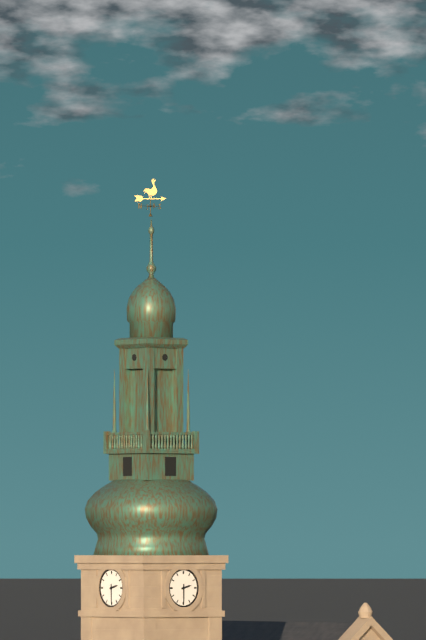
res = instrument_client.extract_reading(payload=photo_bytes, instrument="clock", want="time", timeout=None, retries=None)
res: 2:30
